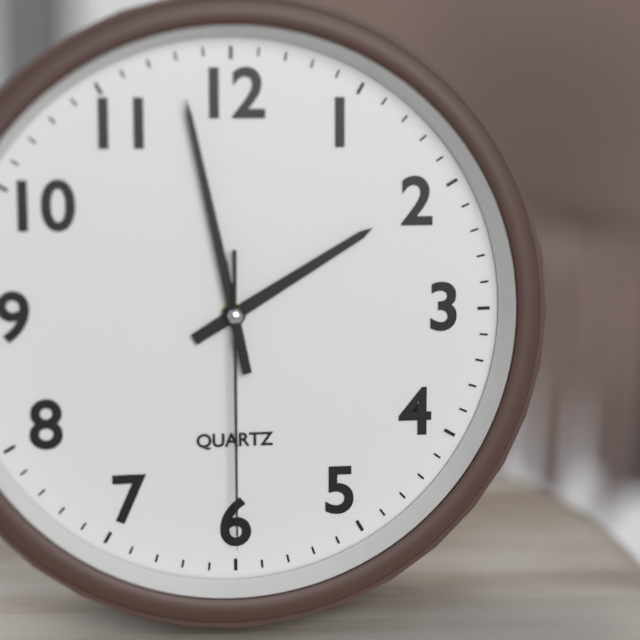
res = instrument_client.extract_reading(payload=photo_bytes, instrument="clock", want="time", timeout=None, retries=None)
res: 1:58:30
